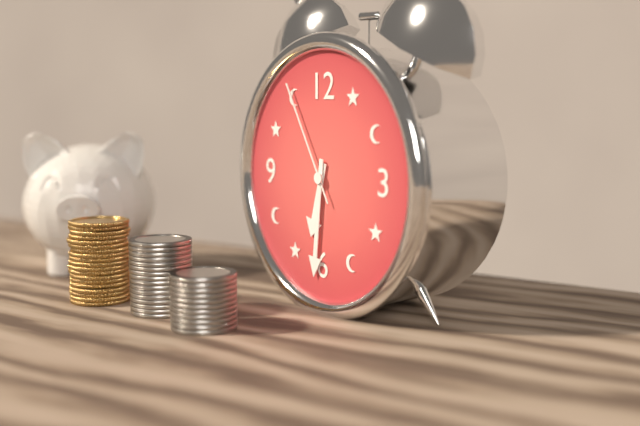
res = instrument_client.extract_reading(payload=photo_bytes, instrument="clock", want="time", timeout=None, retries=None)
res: 6:31:55
